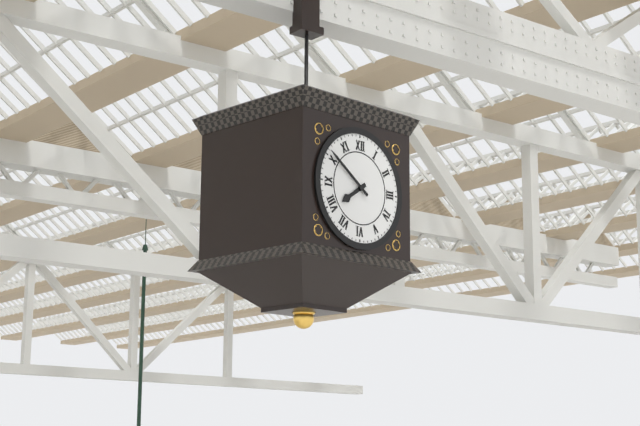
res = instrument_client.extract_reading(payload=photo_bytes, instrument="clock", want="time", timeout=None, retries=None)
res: 7:51
